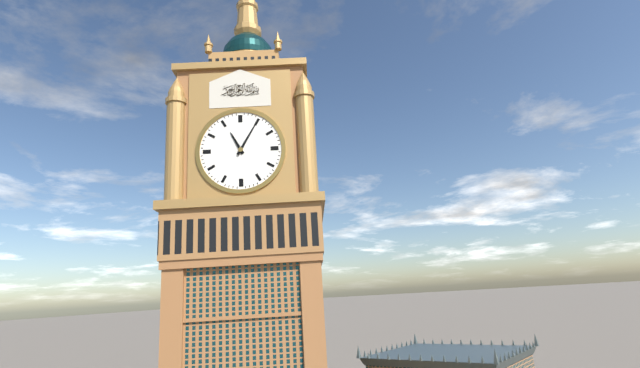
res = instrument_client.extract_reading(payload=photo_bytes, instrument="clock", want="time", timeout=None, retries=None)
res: 11:05
